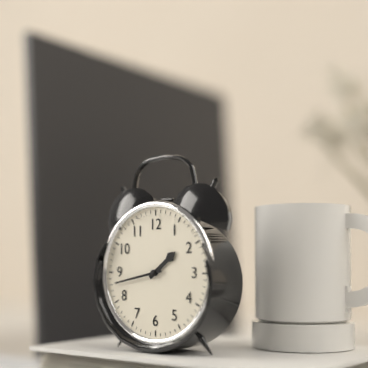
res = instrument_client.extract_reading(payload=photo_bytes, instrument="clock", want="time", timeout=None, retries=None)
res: 1:43
